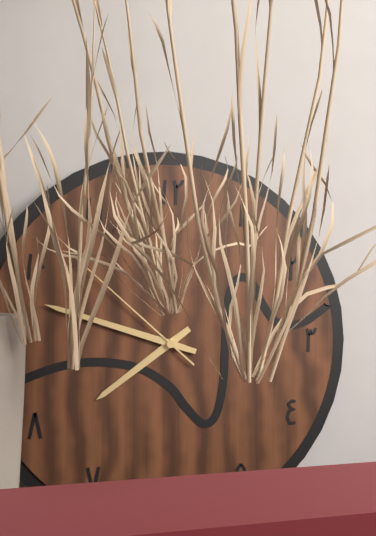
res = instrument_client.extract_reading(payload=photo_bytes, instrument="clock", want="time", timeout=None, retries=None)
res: 7:48:52
